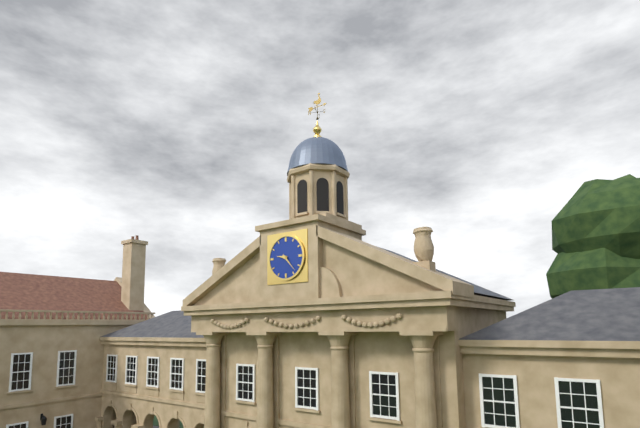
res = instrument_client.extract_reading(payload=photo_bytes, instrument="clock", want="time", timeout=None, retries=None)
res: 9:23
